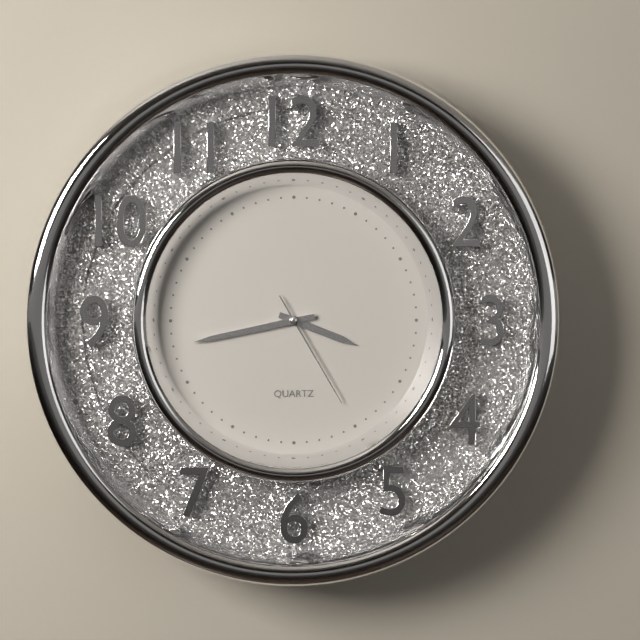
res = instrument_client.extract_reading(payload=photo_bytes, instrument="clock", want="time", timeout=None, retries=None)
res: 3:43:25
